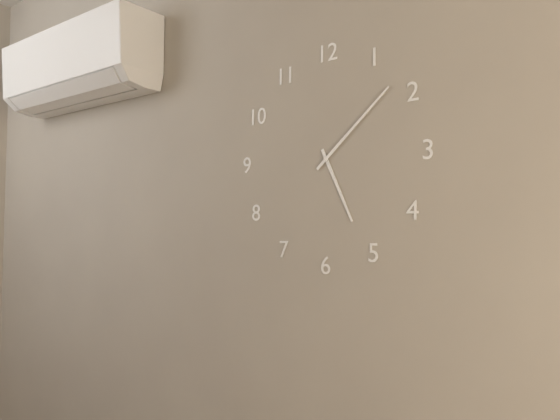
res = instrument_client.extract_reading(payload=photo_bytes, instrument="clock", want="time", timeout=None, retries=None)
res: 5:08
